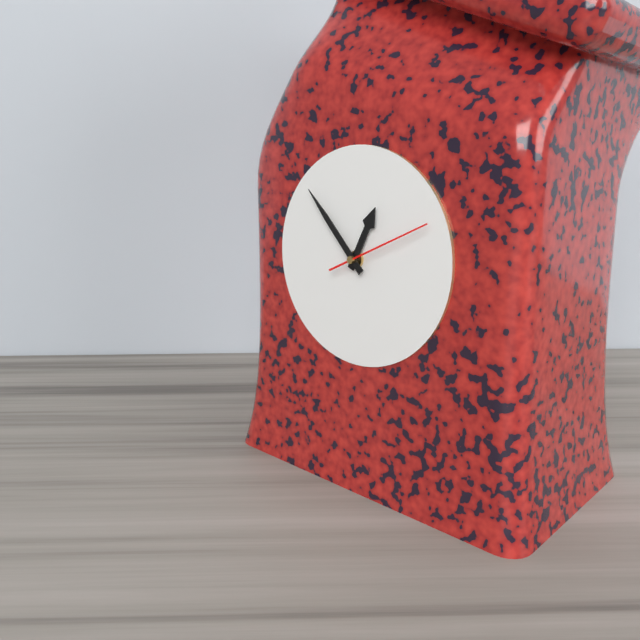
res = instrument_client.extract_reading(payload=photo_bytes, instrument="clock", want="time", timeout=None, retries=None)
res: 12:53:11
